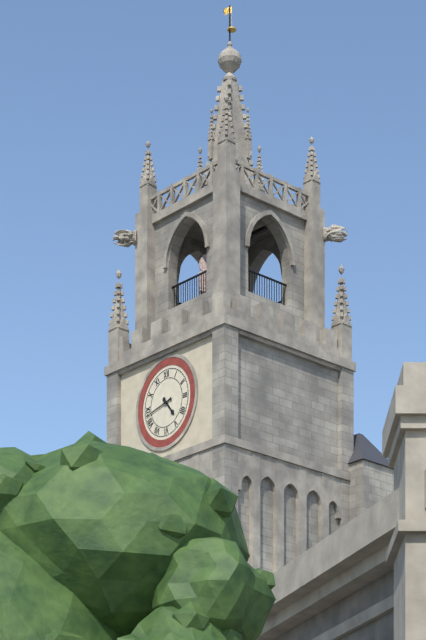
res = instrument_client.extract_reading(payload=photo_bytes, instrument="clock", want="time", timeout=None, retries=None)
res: 4:43
